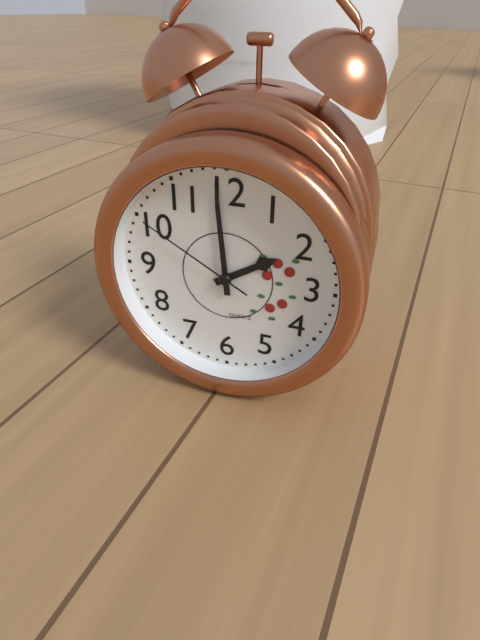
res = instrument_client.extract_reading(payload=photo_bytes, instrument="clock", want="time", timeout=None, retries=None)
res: 1:59:50
